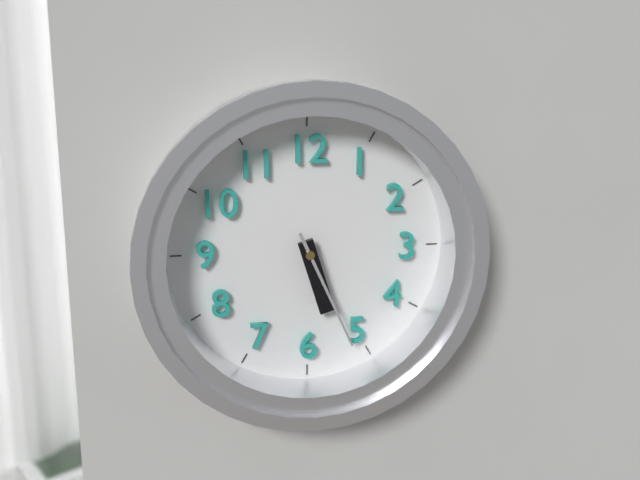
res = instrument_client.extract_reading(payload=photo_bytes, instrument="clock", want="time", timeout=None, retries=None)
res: 5:26
